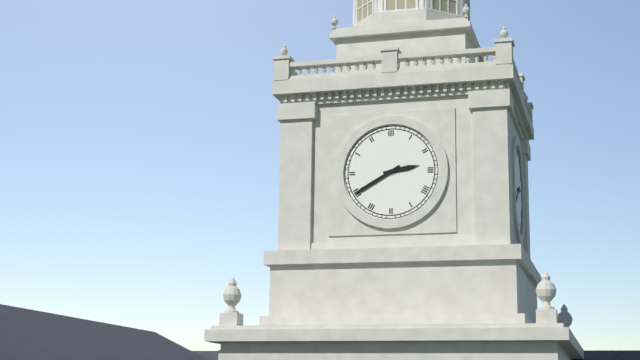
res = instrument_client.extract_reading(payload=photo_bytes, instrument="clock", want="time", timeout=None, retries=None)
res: 2:40
